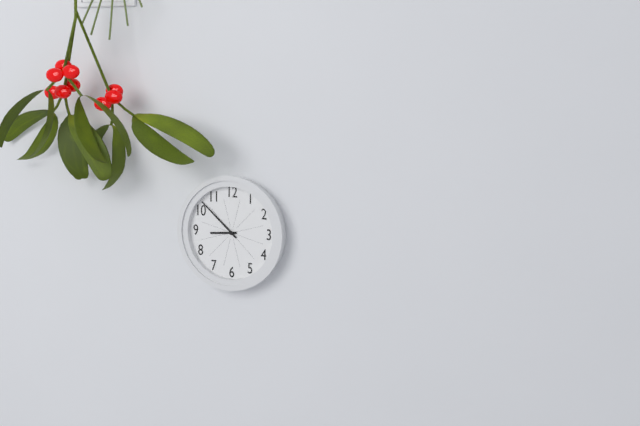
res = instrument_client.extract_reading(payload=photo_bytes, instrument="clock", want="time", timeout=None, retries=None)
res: 8:52
